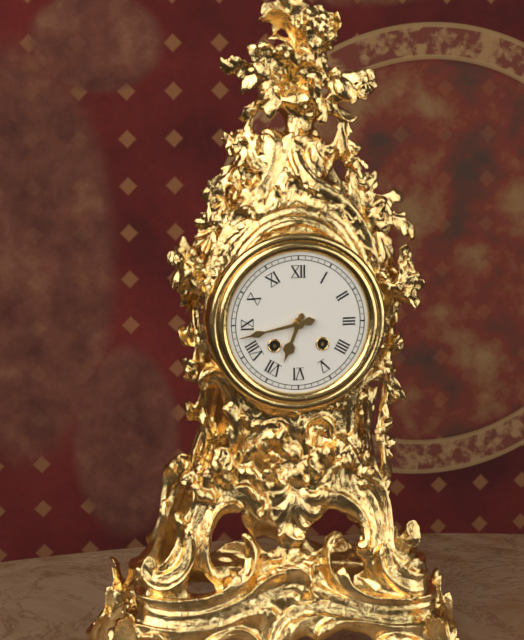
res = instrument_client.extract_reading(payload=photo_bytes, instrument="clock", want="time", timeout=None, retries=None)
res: 6:43
